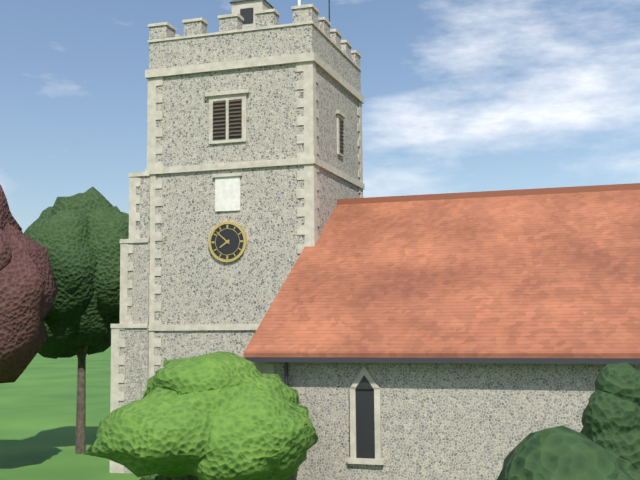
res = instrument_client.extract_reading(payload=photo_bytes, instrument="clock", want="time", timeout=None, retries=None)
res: 7:52
